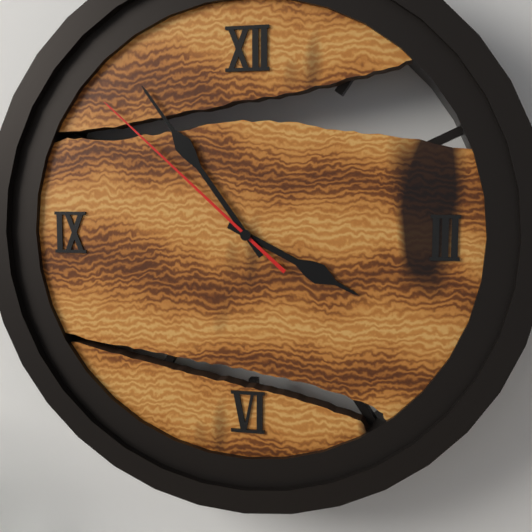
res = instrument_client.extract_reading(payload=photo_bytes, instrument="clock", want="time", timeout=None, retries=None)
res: 3:54:52
